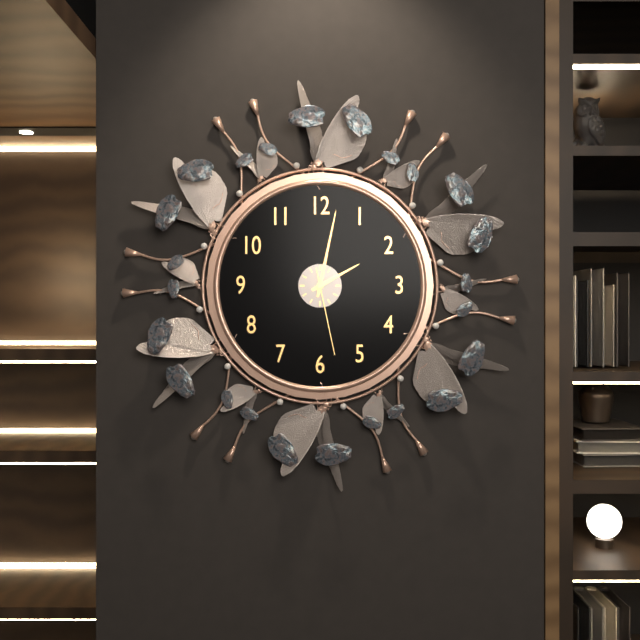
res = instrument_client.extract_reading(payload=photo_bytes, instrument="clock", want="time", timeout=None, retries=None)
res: 2:02:28
